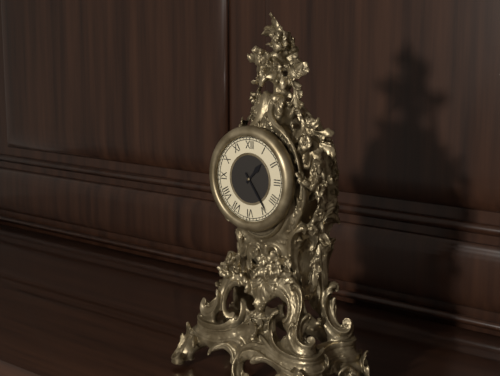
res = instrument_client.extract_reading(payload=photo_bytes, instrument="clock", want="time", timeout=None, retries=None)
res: 1:24
